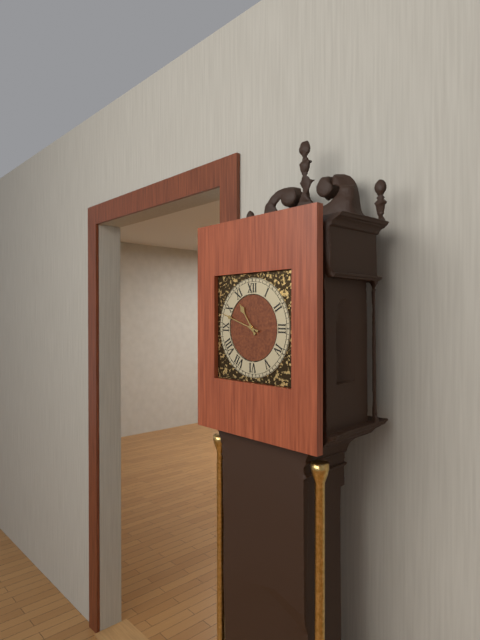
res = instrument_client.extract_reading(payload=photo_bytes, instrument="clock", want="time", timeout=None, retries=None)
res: 10:48
